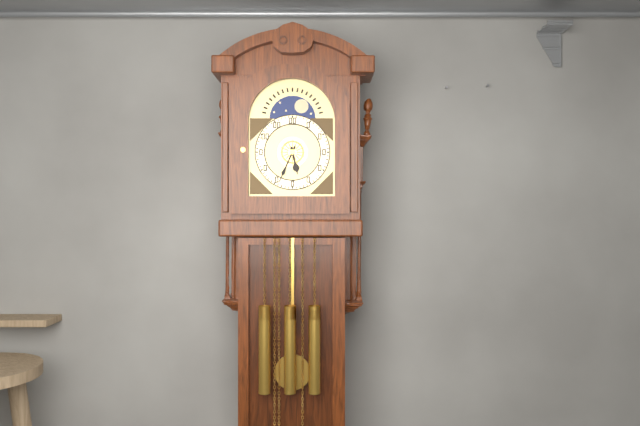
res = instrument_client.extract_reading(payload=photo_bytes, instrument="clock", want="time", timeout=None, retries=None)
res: 5:34
